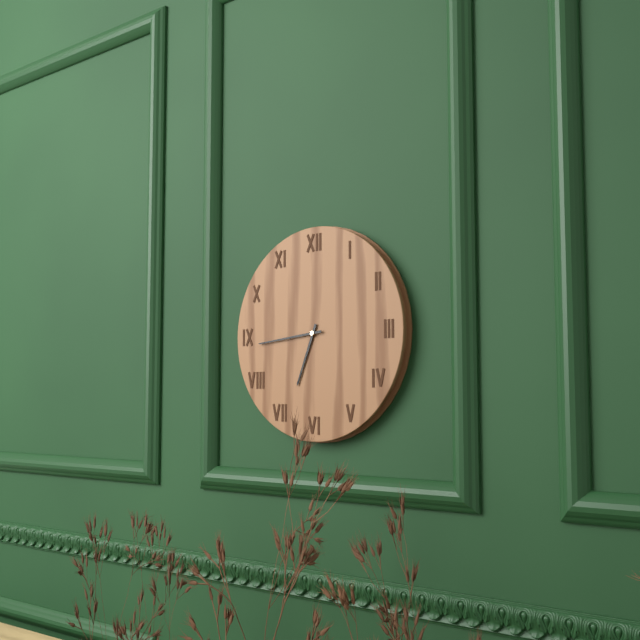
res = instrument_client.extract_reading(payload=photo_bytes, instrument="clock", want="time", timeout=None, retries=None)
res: 6:44
